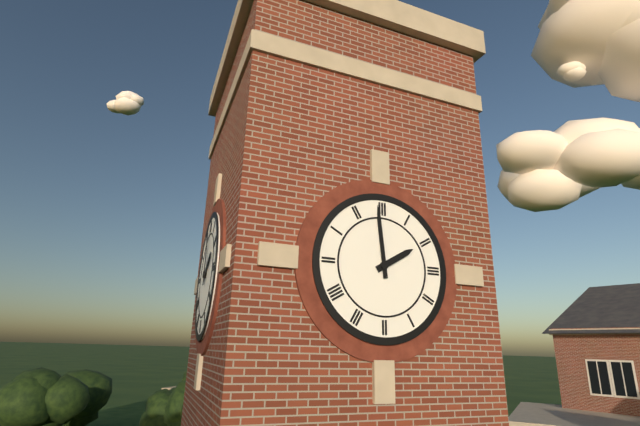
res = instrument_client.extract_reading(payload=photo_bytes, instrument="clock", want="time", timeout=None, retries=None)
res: 1:59
